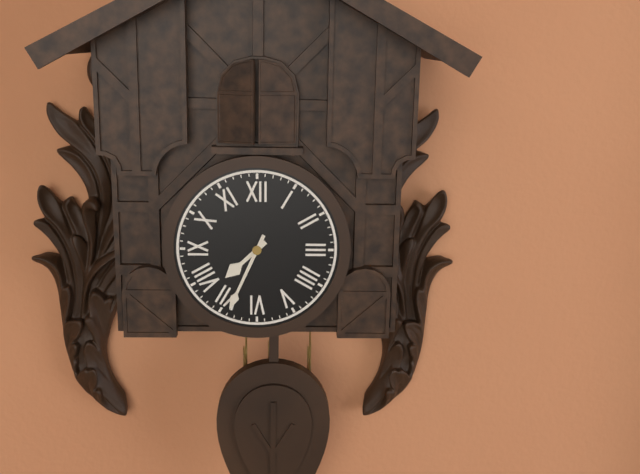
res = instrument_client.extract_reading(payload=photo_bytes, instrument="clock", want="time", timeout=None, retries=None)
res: 7:34
